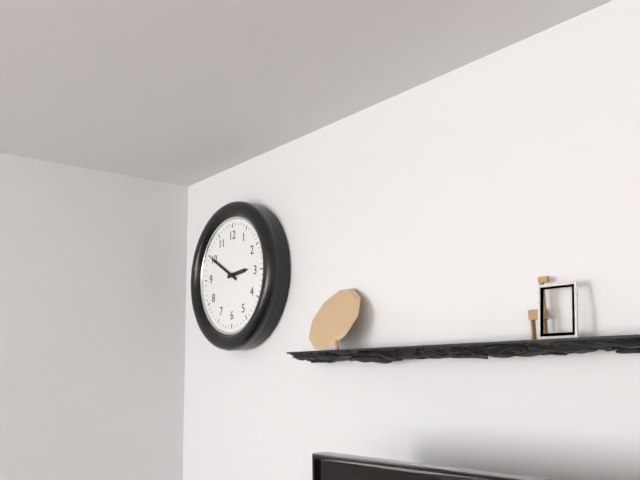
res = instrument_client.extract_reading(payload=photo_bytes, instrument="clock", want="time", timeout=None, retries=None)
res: 2:50
